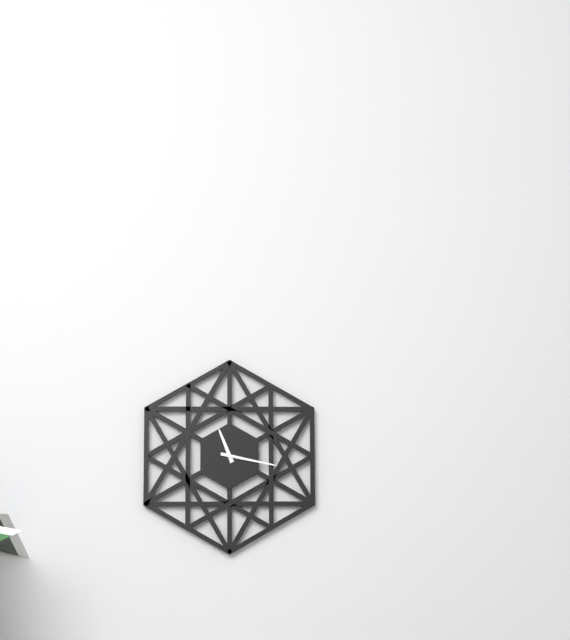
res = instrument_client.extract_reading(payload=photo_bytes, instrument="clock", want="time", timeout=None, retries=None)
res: 11:17
